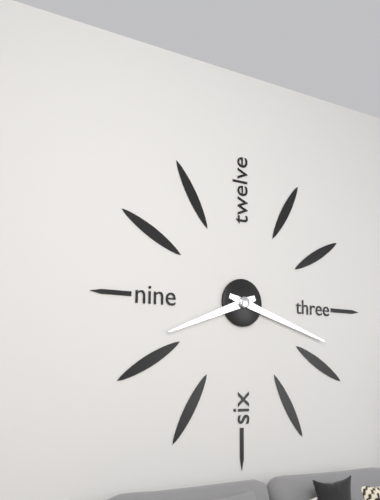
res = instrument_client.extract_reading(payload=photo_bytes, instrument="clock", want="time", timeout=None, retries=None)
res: 8:18
